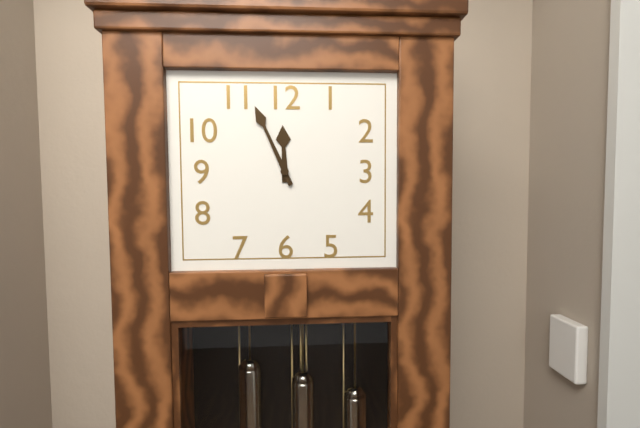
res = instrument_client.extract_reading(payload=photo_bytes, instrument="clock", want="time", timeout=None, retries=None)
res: 11:56
